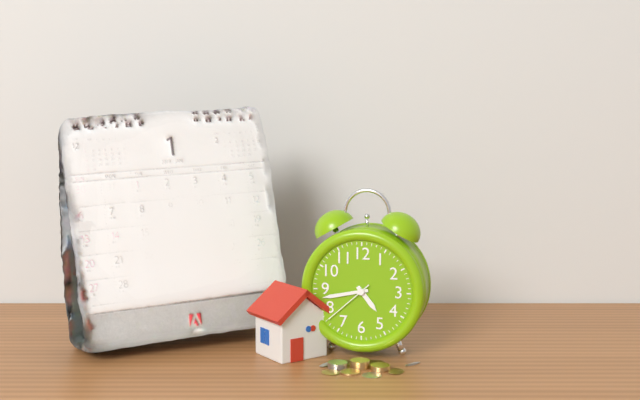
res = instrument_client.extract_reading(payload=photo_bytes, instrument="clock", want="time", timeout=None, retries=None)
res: 4:43:38
